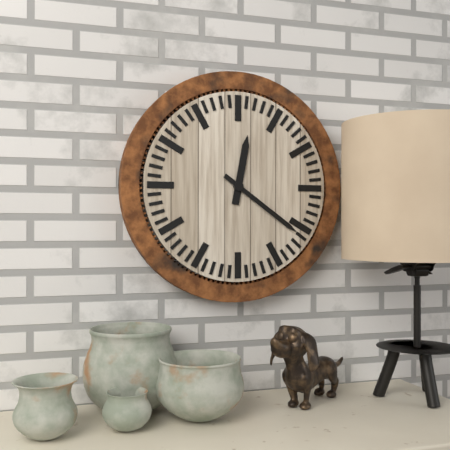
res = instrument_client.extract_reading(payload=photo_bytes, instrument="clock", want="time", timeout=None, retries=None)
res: 12:21
